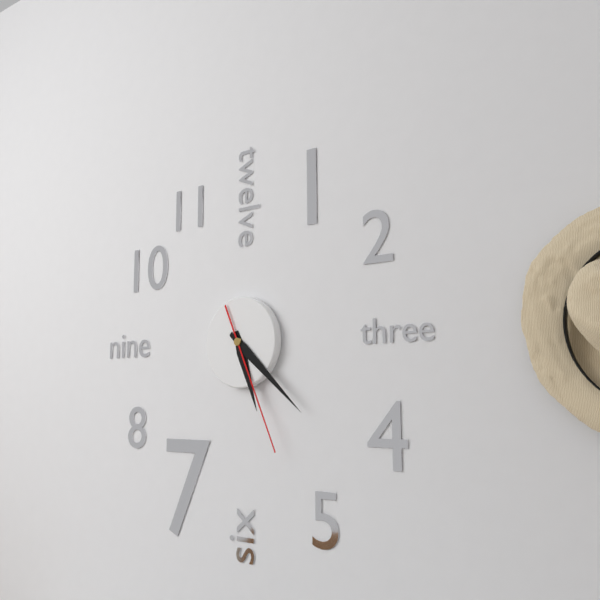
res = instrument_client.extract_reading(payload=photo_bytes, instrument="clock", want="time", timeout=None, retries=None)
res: 5:22:26
